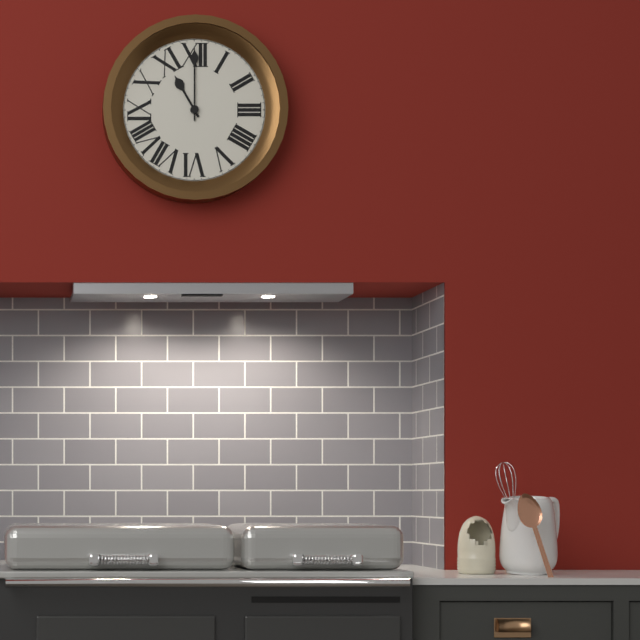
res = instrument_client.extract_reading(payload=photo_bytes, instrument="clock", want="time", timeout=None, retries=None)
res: 11:00
